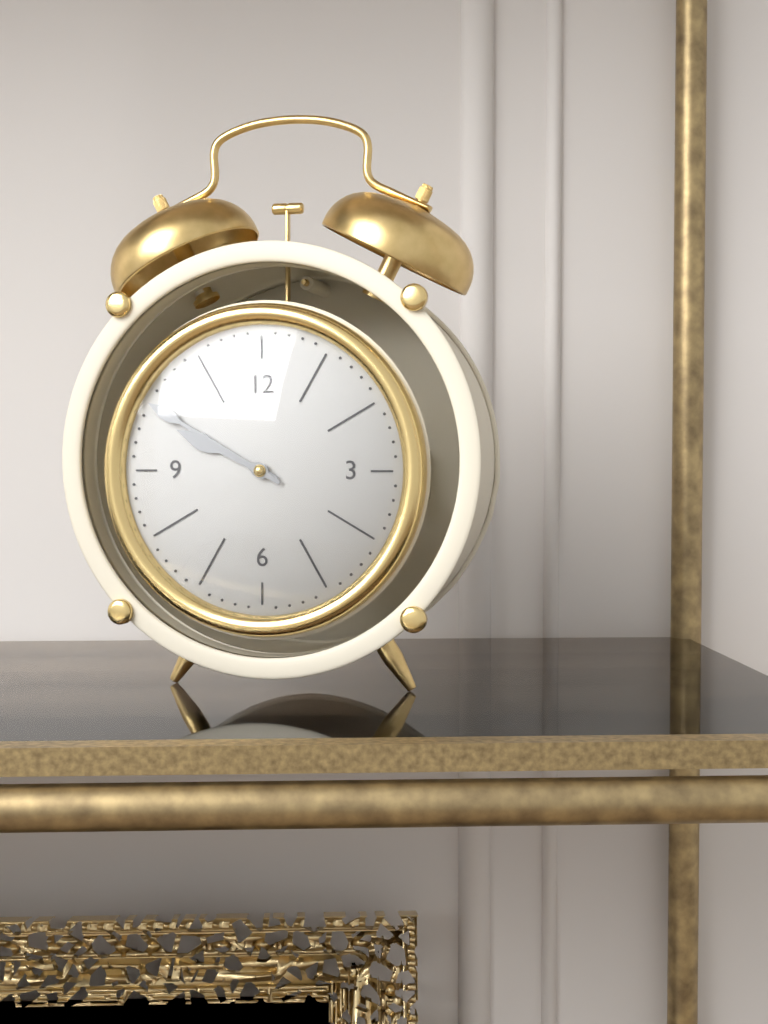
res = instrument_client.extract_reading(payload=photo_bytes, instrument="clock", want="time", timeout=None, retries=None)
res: 9:50
